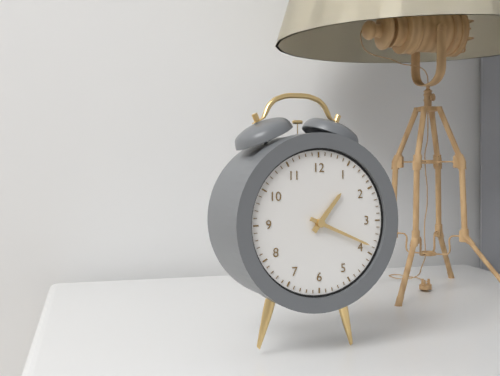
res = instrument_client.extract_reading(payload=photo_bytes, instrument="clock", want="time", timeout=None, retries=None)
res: 1:19
